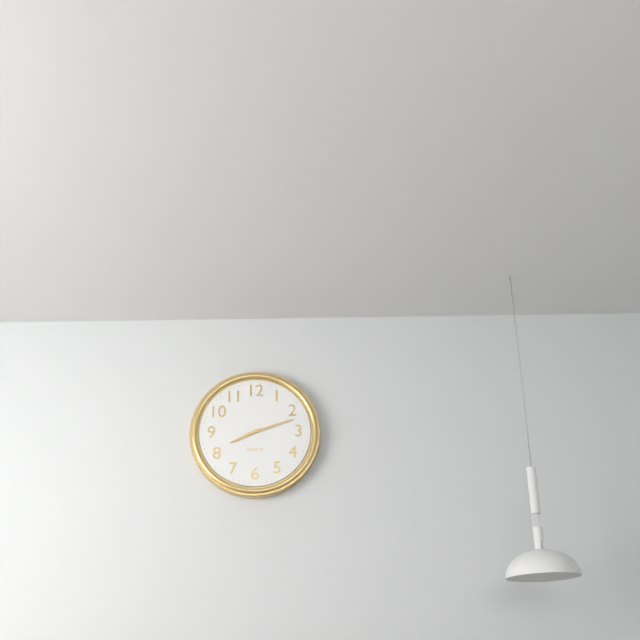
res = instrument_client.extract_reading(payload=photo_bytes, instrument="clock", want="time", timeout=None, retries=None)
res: 8:12
